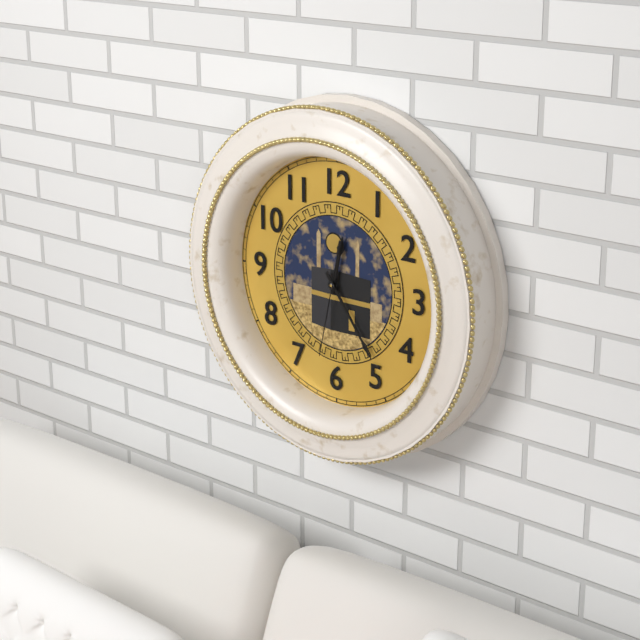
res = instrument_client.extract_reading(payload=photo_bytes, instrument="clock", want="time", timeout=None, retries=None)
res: 12:24:32
